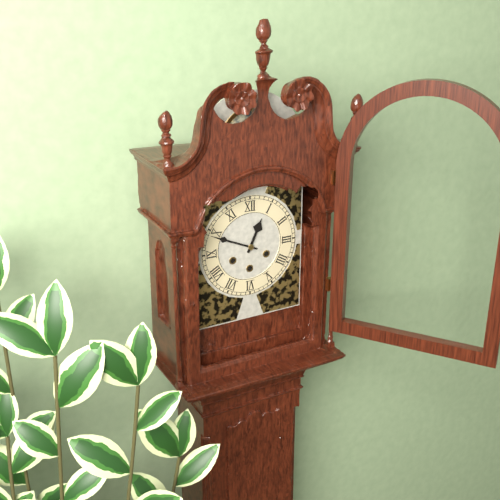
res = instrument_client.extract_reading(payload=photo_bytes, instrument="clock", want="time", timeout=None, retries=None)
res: 12:49
